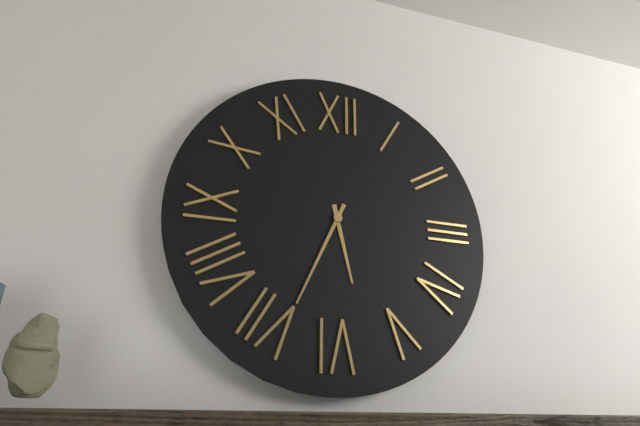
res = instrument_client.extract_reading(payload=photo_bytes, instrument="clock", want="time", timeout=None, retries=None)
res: 5:34
